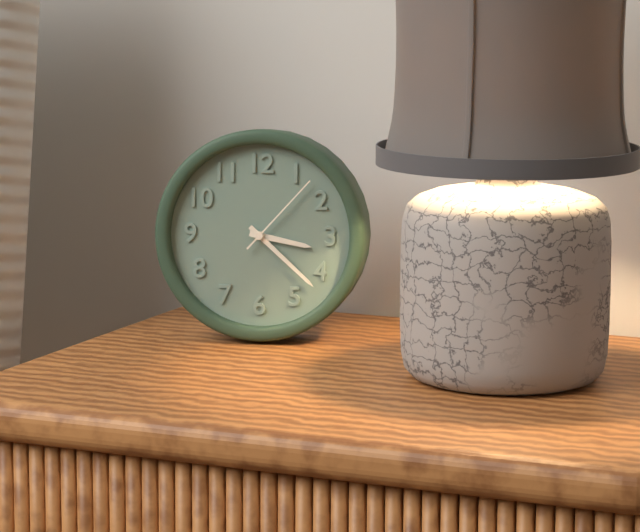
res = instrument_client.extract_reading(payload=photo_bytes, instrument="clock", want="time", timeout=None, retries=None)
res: 3:22:07
